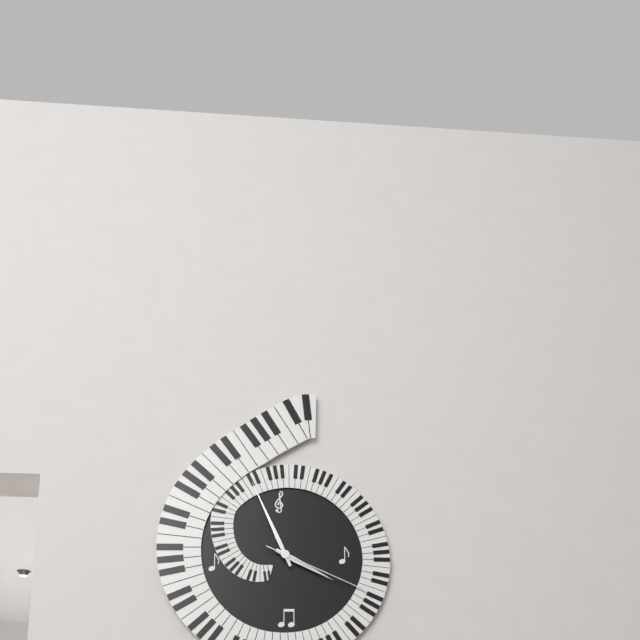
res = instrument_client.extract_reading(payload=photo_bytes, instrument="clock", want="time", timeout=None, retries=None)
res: 3:56:19
